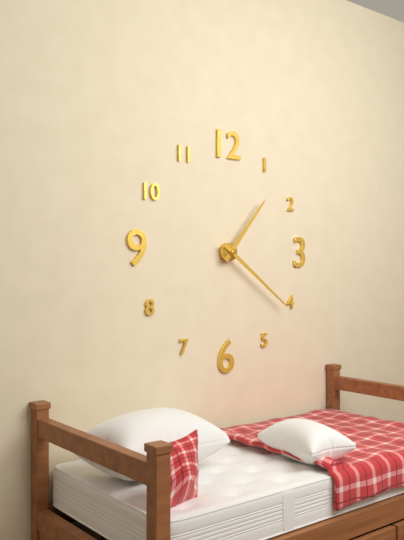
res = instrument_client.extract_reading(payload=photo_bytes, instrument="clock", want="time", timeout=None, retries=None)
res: 1:21
